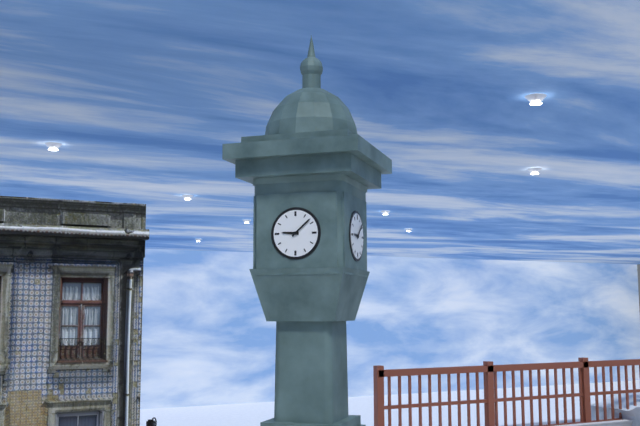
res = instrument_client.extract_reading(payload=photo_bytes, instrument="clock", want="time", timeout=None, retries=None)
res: 9:08
